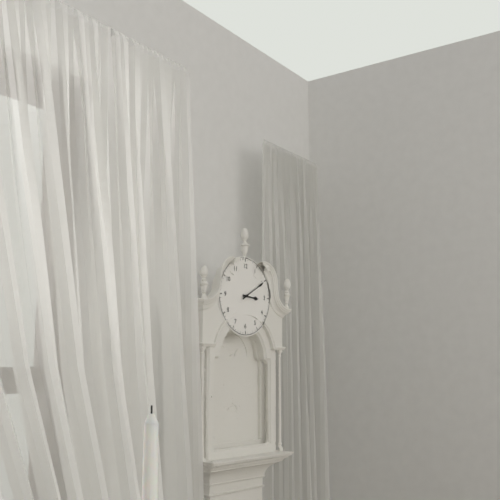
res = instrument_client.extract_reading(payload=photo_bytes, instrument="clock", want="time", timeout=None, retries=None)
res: 3:10
